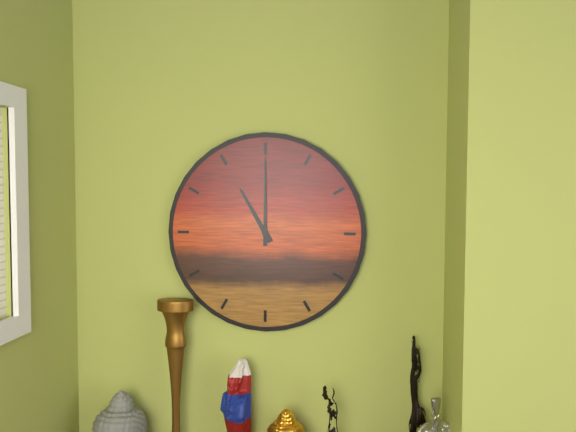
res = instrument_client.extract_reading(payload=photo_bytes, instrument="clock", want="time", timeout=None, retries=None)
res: 11:00
